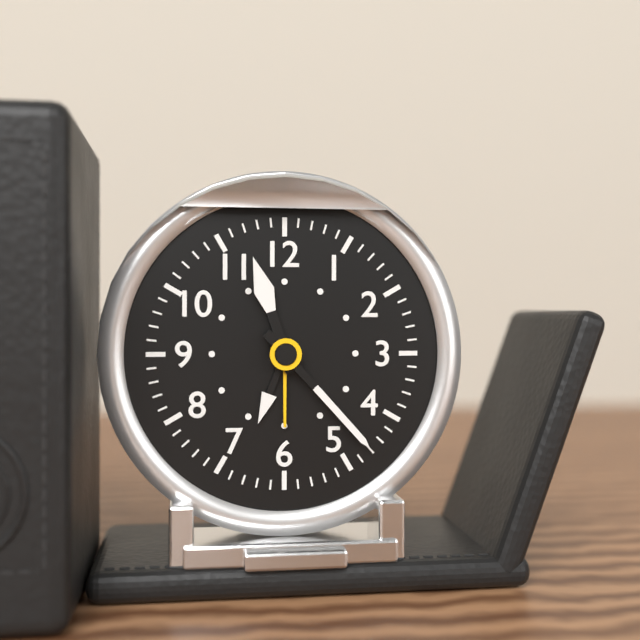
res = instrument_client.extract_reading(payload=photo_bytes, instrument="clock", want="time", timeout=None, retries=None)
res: 11:23
